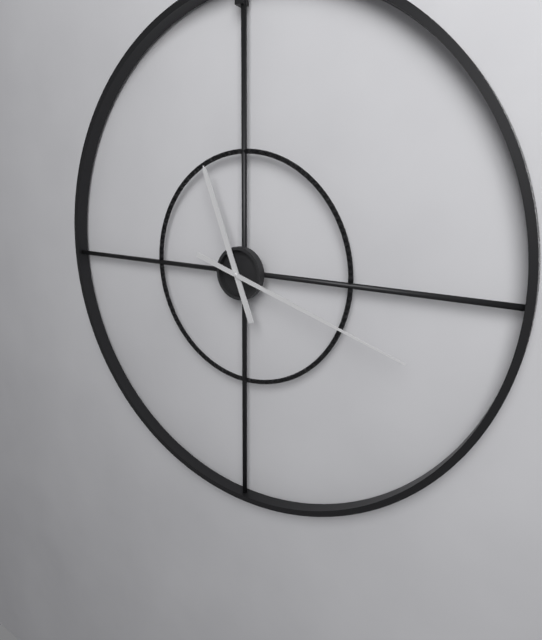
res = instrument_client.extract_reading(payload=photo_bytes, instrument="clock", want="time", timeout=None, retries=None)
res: 11:18
